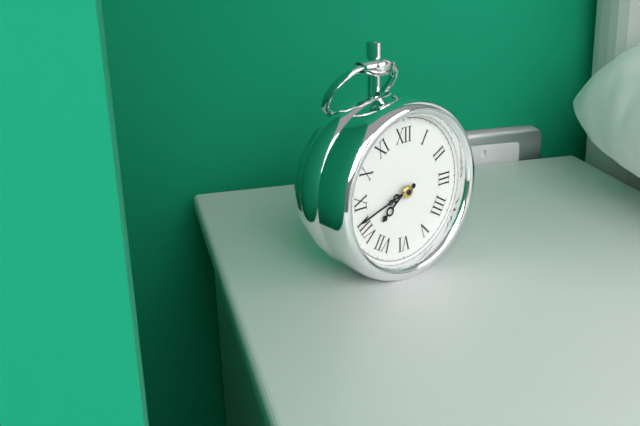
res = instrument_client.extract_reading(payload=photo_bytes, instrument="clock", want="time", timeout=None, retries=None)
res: 7:42
